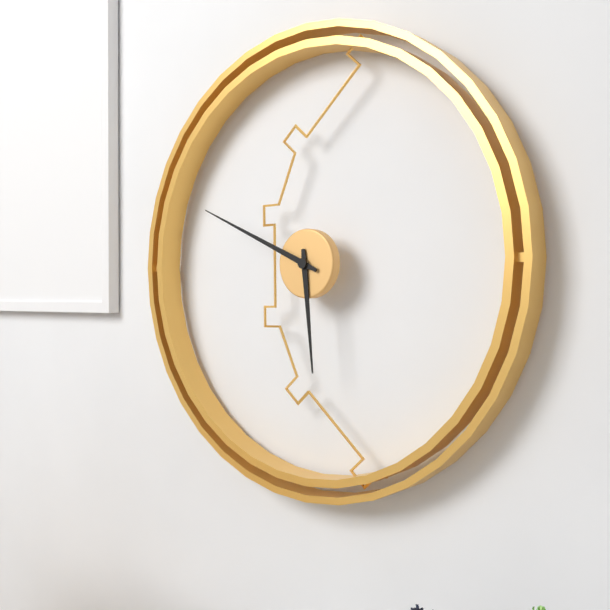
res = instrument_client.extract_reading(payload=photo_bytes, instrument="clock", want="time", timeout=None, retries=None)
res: 5:49
